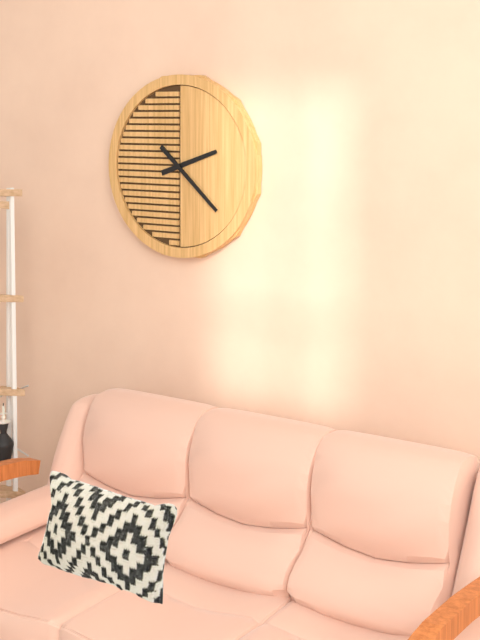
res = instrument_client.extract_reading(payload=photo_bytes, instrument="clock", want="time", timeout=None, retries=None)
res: 2:22
